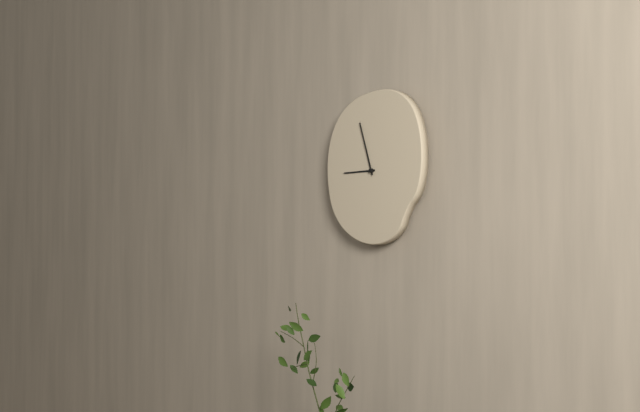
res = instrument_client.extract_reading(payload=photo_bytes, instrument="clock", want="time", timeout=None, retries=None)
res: 8:57
